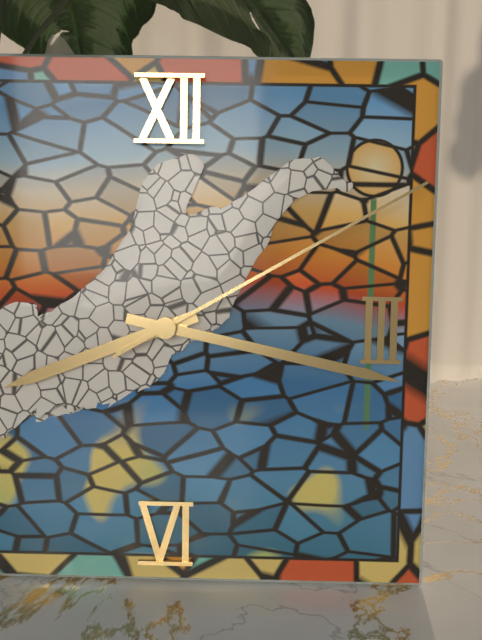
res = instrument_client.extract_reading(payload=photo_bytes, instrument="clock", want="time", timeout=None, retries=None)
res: 8:17:10
